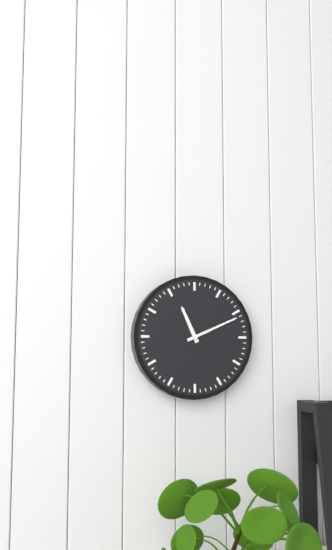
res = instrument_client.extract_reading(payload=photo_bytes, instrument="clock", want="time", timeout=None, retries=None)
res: 11:11
